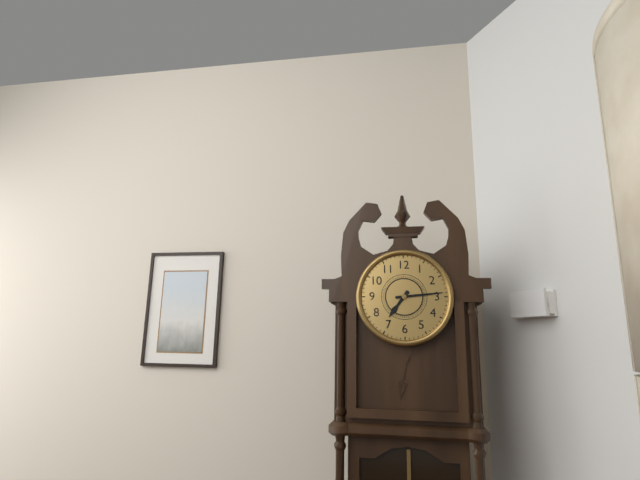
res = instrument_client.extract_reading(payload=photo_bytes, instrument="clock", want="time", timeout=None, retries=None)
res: 7:14
